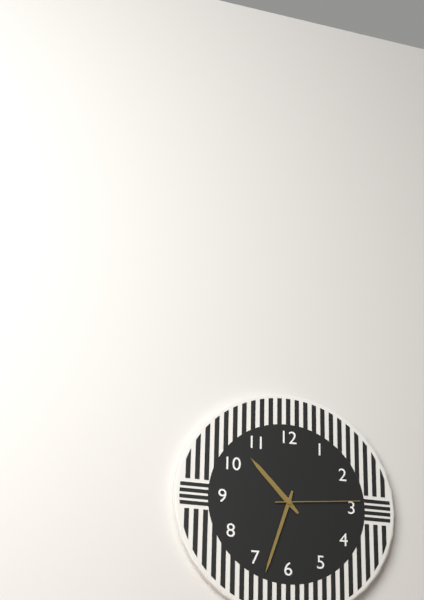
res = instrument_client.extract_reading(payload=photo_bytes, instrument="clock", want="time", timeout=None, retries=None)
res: 10:33:14
